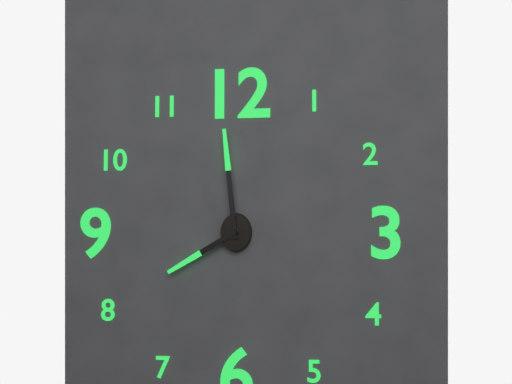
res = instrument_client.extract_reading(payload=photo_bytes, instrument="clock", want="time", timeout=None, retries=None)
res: 7:59
